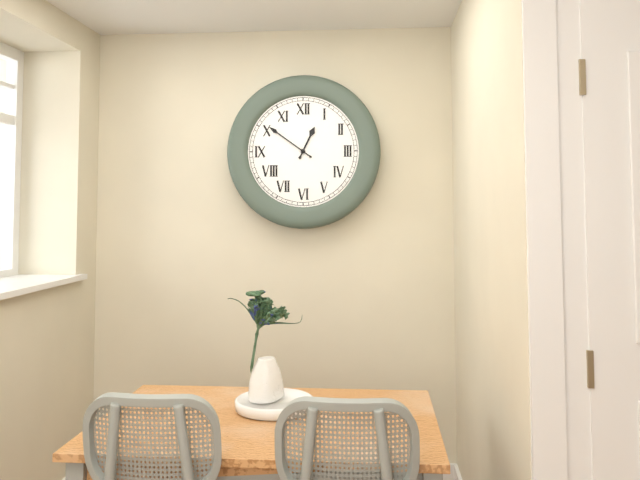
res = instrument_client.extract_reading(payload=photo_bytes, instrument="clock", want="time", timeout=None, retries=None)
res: 12:51
